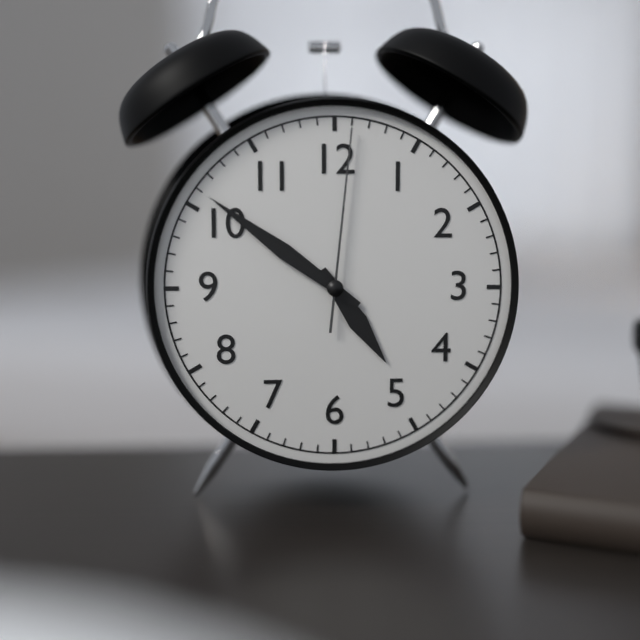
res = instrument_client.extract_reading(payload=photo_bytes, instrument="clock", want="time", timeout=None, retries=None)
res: 4:51:01
